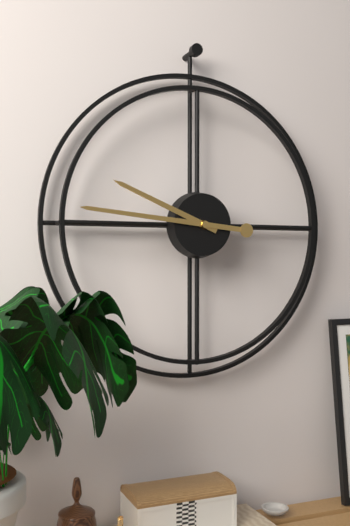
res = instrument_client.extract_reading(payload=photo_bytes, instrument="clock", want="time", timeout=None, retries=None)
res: 9:46
